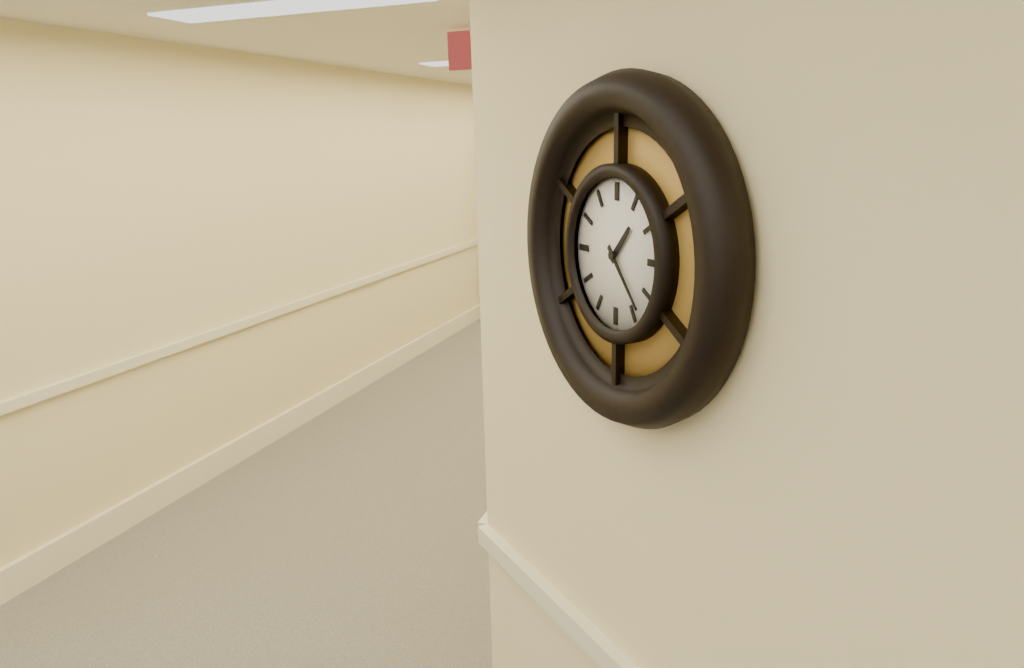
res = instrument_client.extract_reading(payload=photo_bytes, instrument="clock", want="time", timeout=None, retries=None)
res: 1:23
